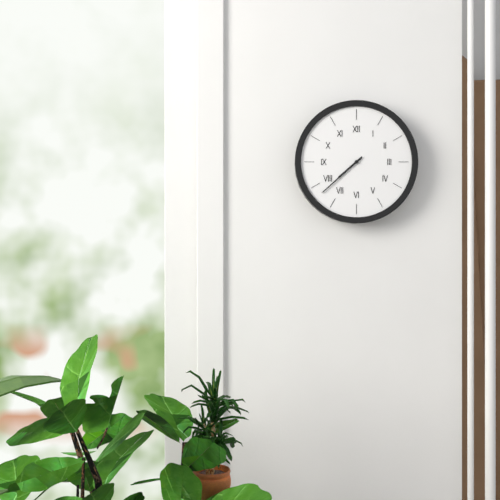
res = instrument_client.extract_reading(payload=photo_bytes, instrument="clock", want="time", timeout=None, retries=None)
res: 7:38
